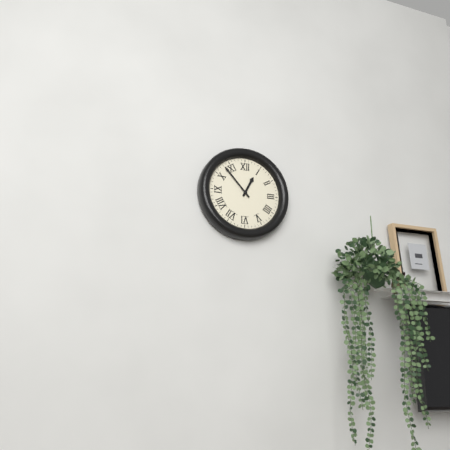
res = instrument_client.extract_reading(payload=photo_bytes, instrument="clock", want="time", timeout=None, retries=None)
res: 12:53
